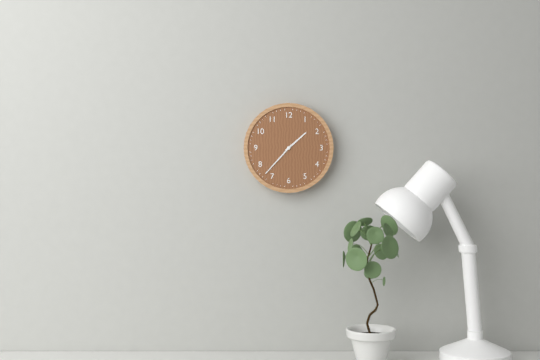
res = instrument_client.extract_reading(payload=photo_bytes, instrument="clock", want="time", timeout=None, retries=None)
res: 1:37
